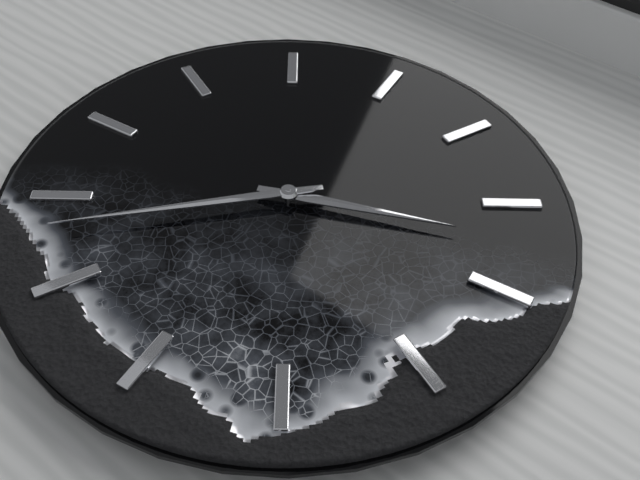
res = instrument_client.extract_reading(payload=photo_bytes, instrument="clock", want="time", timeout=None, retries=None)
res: 12:28
